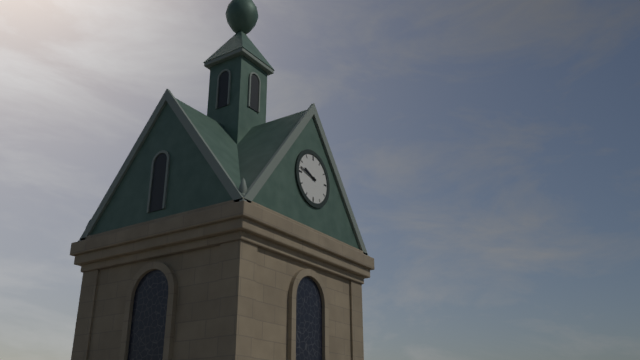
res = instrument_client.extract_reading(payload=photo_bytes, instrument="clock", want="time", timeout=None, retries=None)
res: 9:47
